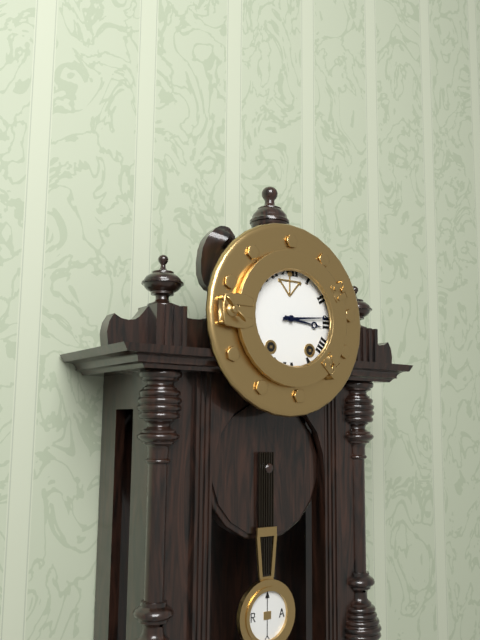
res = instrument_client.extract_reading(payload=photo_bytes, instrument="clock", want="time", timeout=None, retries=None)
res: 3:14
